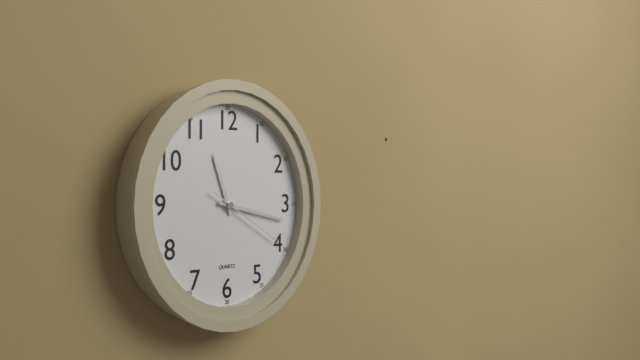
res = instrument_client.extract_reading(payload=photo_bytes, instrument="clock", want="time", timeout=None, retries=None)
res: 11:17:20
